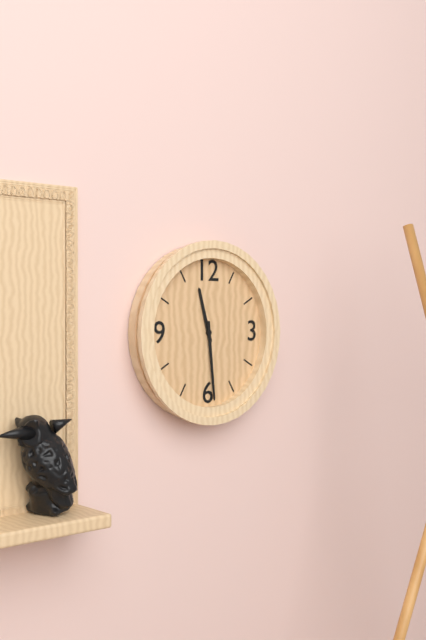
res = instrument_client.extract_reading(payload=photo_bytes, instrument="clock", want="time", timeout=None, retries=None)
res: 11:29
